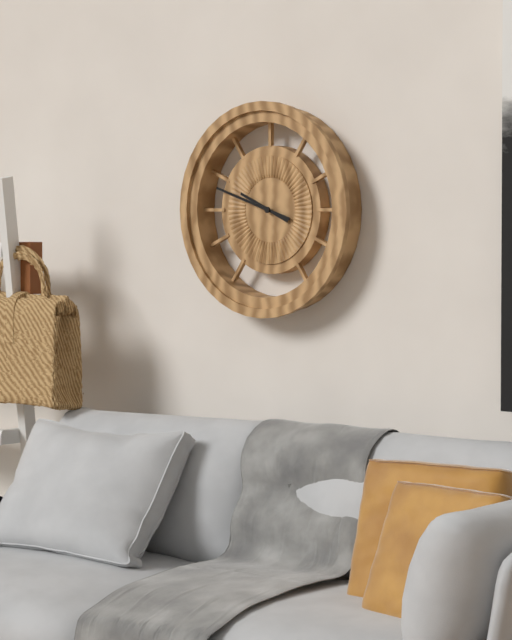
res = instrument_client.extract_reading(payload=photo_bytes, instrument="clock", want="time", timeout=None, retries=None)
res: 9:48
